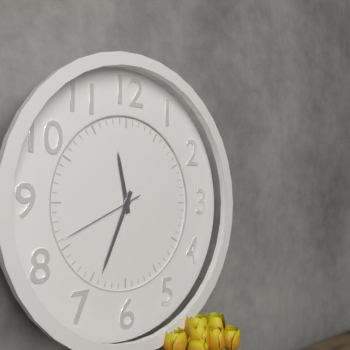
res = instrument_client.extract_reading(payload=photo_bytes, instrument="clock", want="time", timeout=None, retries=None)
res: 11:34:41
